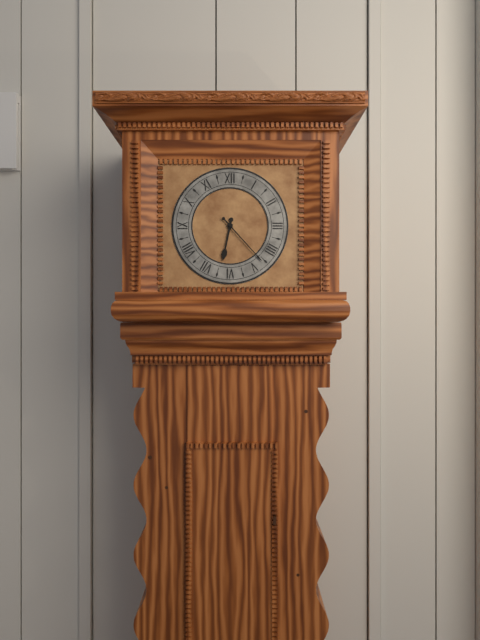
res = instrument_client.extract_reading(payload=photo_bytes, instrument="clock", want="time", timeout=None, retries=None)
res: 6:23
